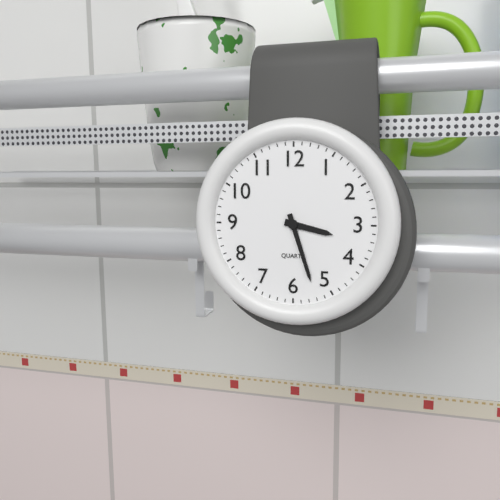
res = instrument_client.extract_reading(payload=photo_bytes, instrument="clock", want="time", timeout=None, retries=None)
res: 3:27
